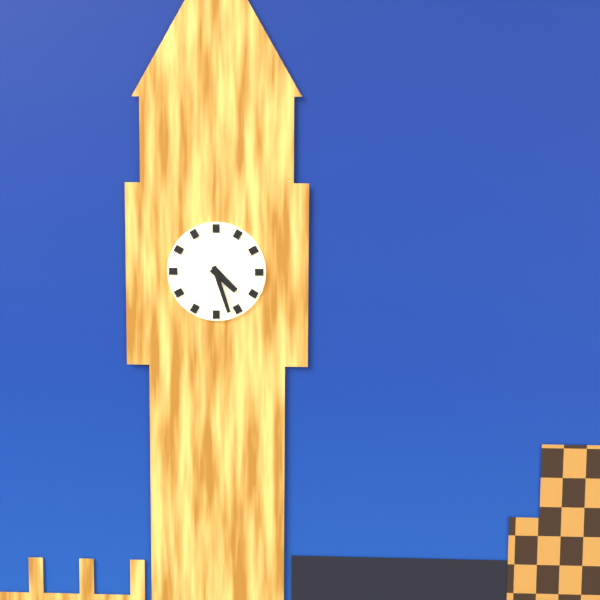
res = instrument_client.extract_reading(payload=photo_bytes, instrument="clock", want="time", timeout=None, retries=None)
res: 4:27
